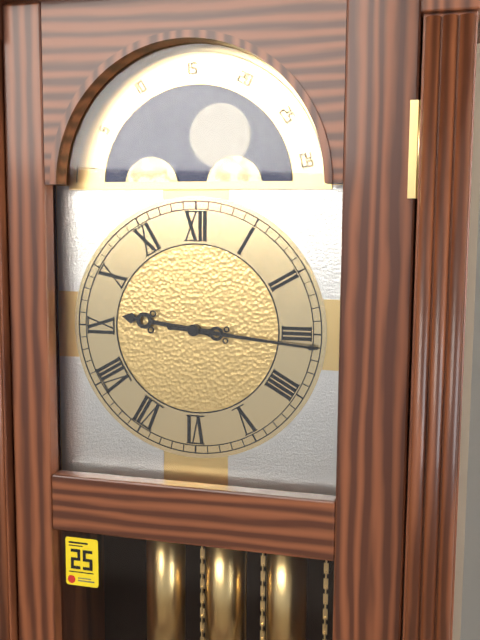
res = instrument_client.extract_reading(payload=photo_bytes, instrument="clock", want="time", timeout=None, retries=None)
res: 9:16
